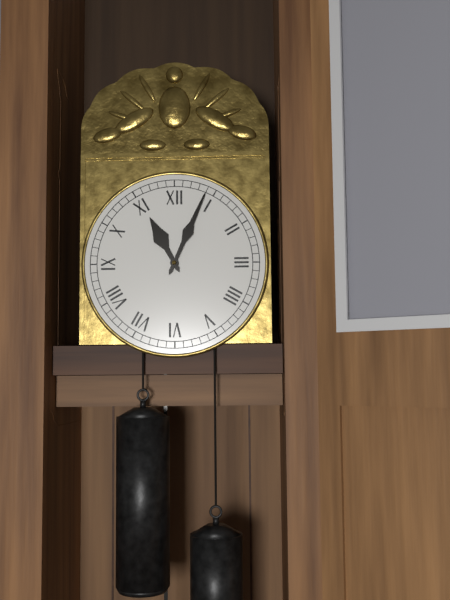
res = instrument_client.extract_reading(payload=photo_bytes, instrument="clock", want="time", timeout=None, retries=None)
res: 11:04
